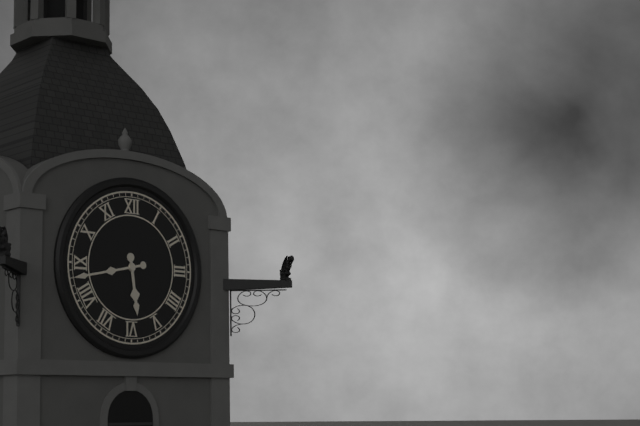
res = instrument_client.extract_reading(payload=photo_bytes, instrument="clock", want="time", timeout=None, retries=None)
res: 5:43
